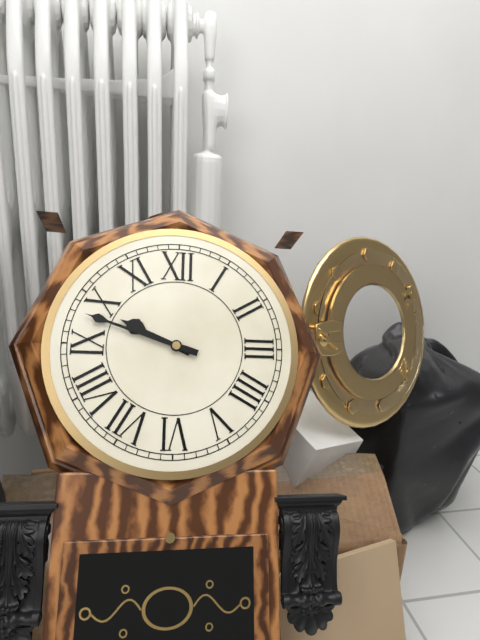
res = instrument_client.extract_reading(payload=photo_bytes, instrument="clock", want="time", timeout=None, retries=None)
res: 9:48
